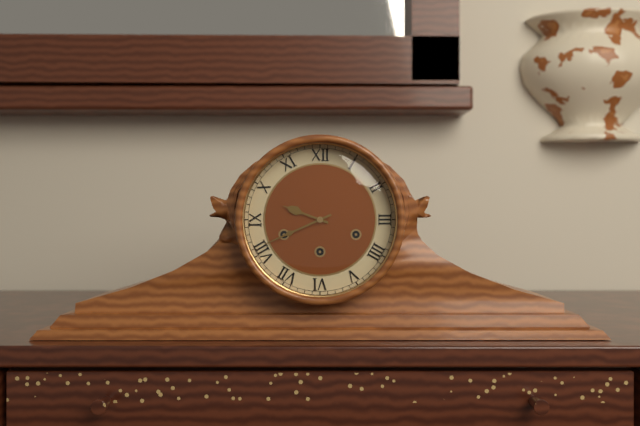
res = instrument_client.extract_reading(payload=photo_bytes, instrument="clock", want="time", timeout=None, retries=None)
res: 9:41
